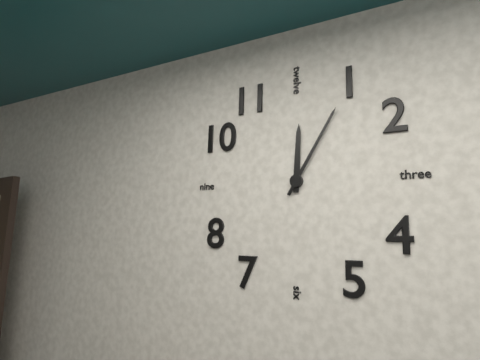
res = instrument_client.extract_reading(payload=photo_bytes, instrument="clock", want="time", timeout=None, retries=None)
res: 12:05
